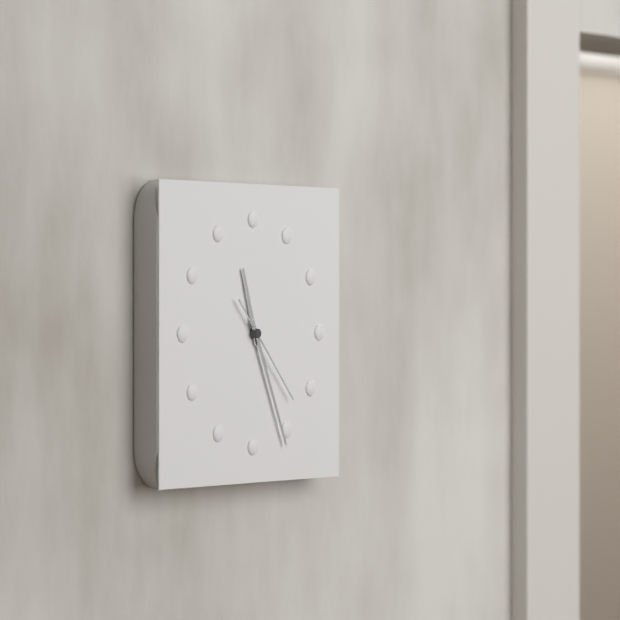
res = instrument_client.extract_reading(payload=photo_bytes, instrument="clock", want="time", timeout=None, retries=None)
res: 11:26:23
